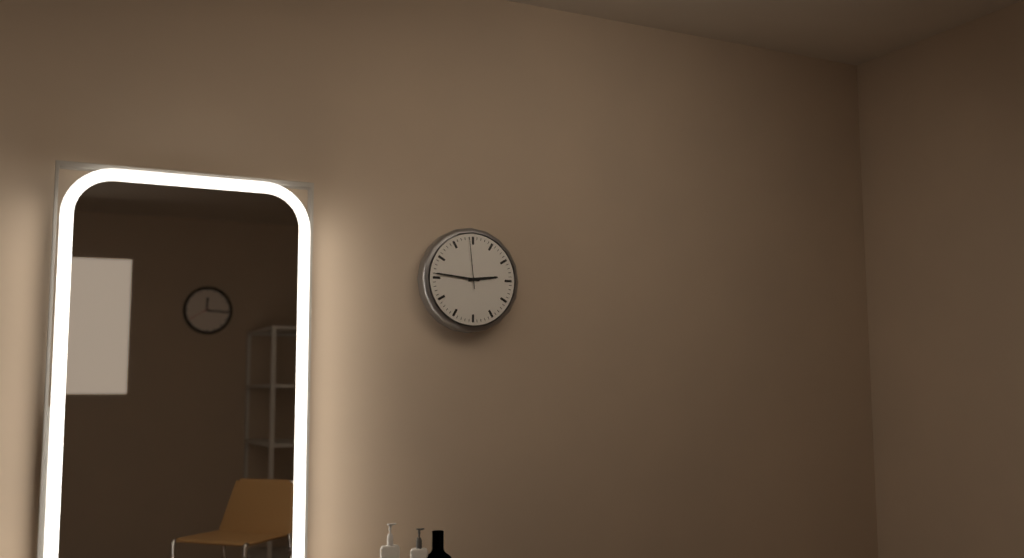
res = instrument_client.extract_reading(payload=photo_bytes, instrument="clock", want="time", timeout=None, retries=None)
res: 2:46:59
